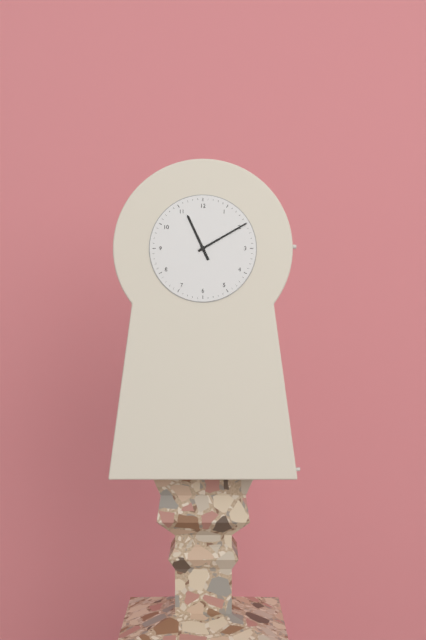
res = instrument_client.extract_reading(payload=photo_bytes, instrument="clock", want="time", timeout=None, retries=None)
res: 11:10
